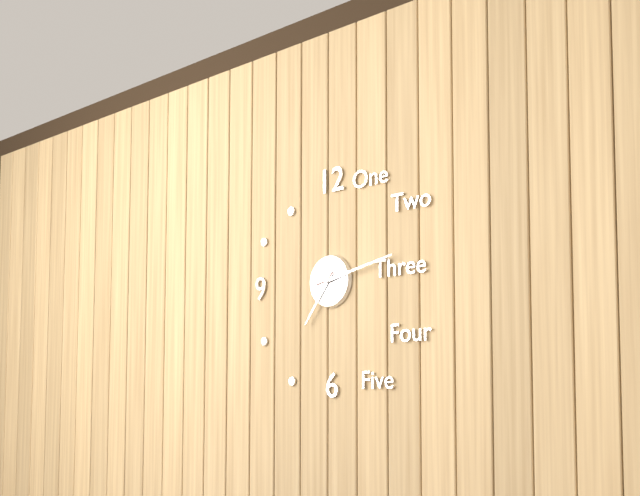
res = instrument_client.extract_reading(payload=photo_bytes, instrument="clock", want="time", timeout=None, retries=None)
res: 7:13
